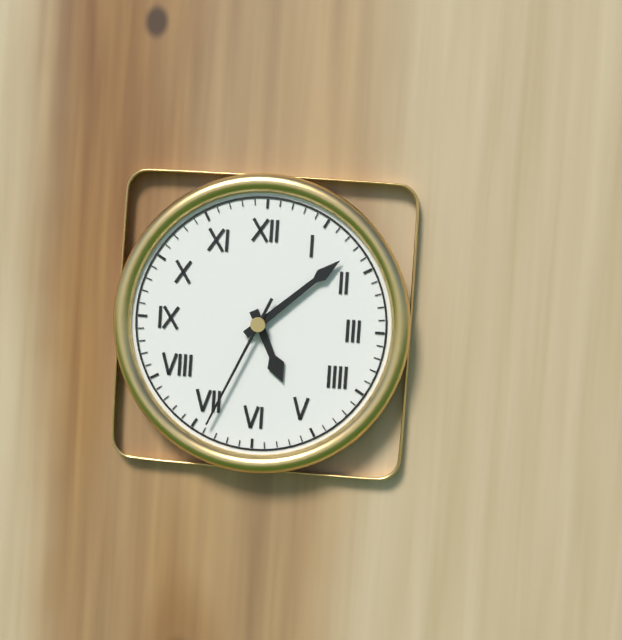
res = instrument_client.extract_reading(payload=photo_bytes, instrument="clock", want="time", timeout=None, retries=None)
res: 5:08:34
